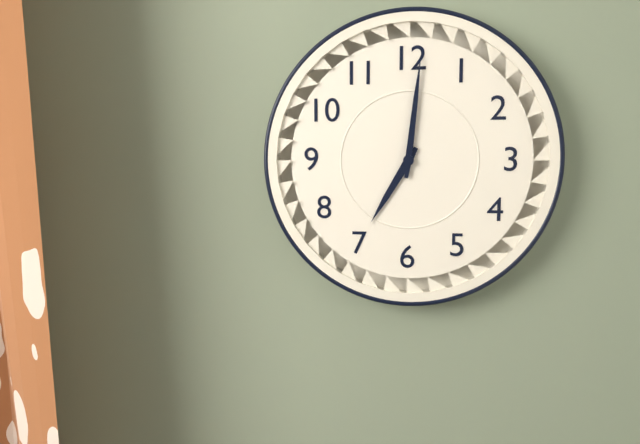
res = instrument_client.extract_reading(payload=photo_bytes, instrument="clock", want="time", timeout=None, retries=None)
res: 7:01
